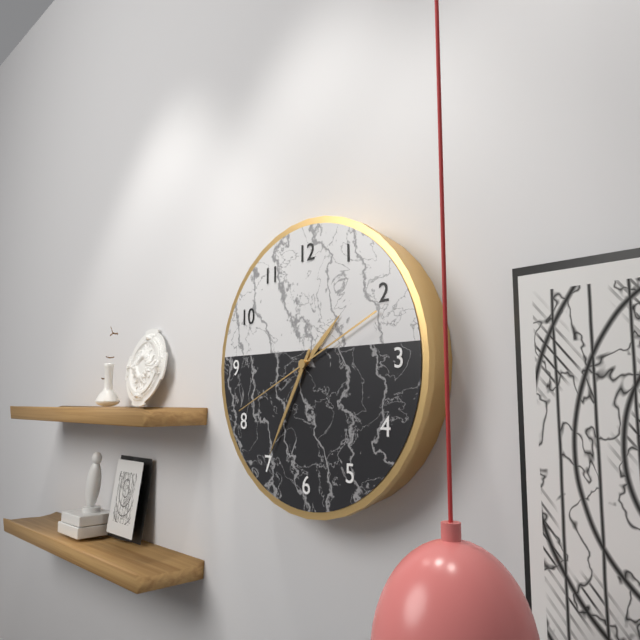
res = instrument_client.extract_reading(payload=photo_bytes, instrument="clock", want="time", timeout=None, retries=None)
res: 1:35:41
